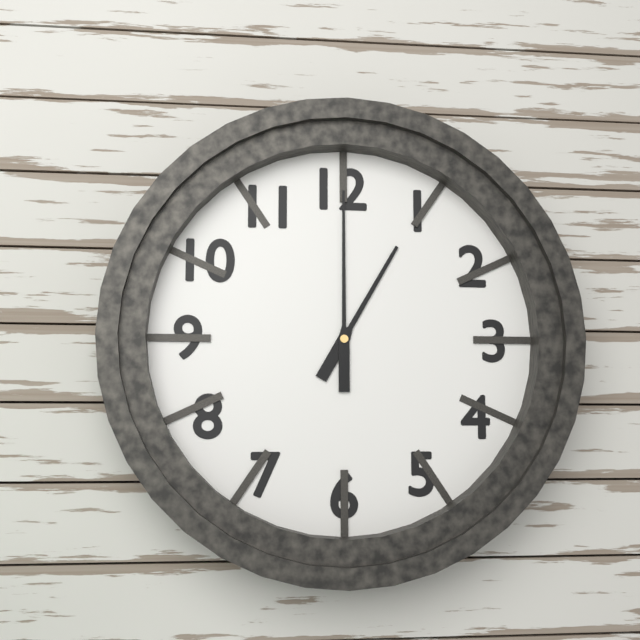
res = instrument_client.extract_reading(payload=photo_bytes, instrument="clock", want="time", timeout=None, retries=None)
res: 1:00
